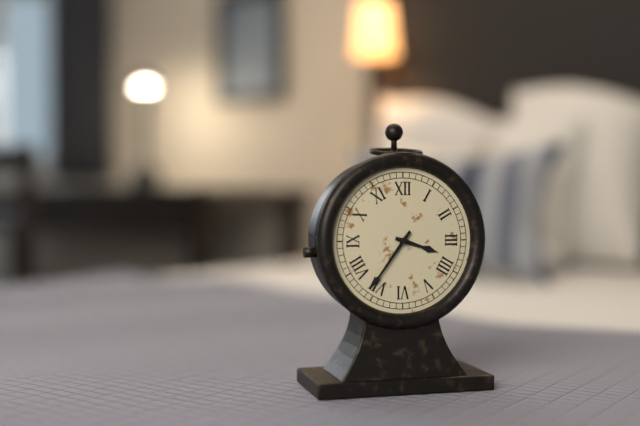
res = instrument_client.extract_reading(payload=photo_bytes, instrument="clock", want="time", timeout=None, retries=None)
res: 3:36
